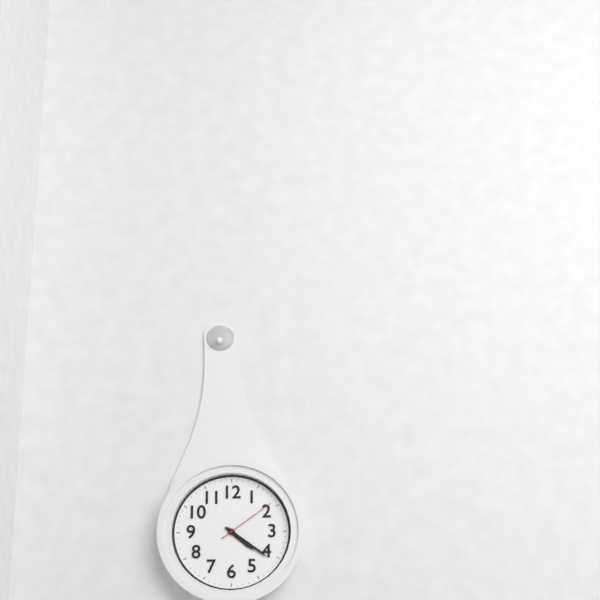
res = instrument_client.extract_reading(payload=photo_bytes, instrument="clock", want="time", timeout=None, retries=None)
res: 4:21:09
